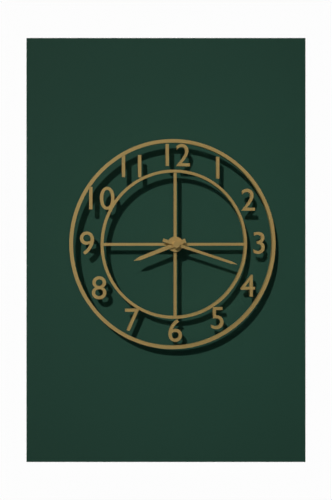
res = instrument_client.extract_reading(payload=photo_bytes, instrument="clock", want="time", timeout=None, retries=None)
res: 8:18
